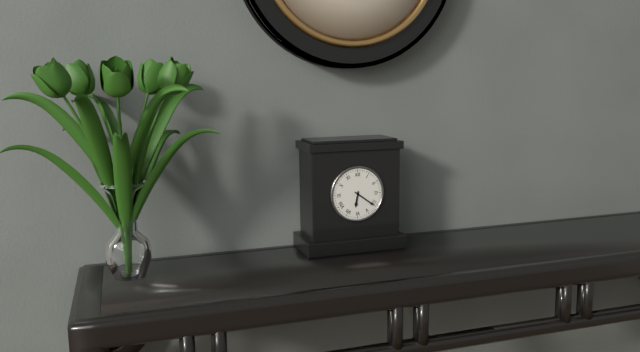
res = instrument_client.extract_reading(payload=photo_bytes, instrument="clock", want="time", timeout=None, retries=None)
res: 6:21
